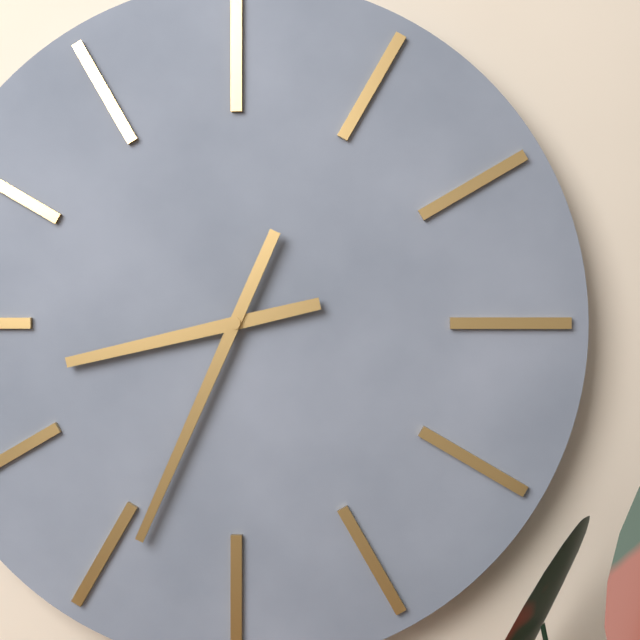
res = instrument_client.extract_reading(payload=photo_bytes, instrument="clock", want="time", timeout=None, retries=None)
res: 8:34
